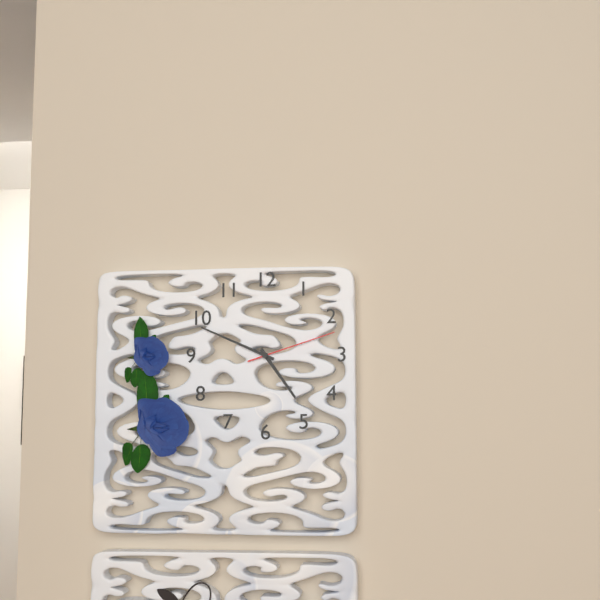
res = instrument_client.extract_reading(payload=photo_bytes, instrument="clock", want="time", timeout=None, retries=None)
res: 4:49:12
